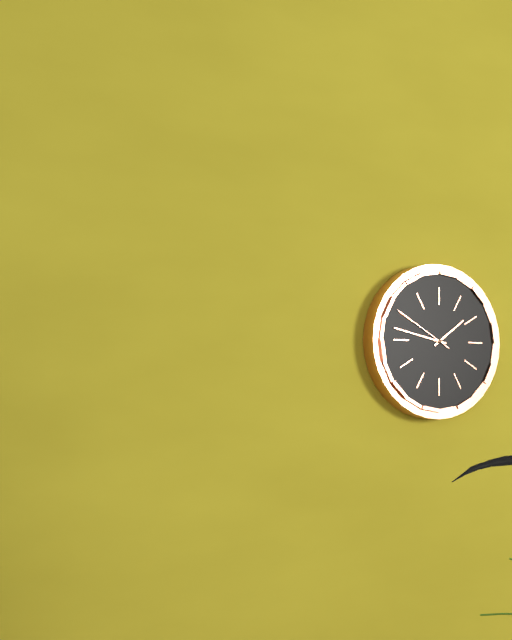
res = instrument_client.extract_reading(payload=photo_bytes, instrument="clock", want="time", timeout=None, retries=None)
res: 1:47:50
